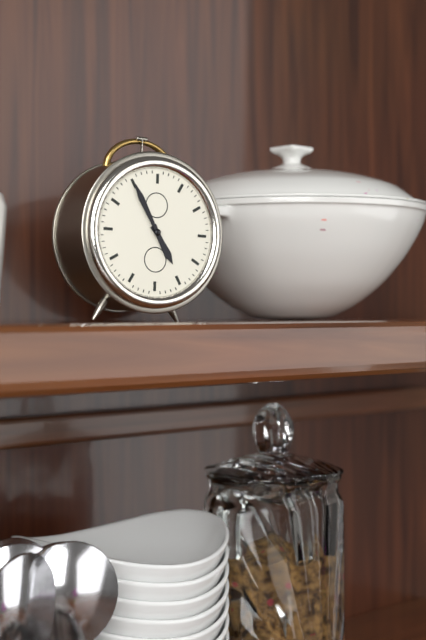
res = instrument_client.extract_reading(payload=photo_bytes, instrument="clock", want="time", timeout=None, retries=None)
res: 4:55
